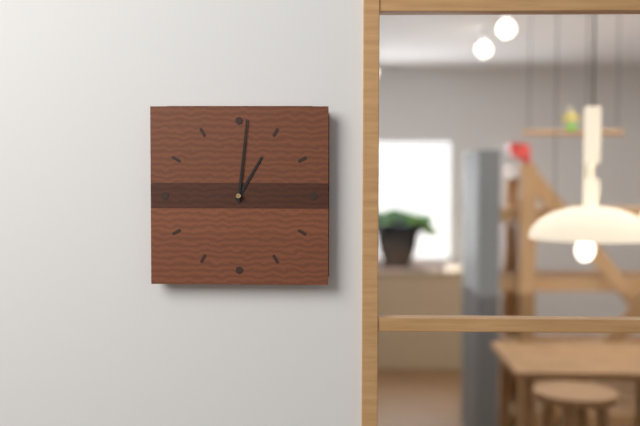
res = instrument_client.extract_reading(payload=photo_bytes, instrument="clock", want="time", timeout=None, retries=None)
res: 1:01
